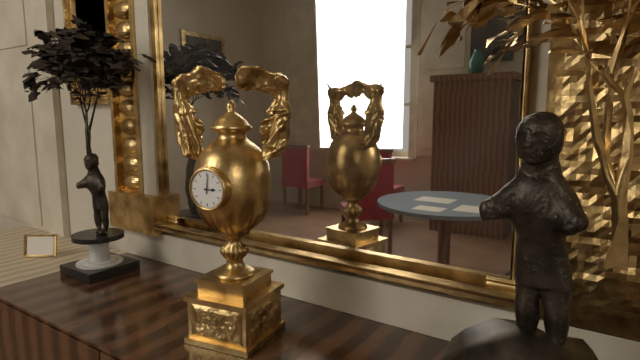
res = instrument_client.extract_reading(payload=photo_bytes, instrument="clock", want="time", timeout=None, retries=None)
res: 3:01
